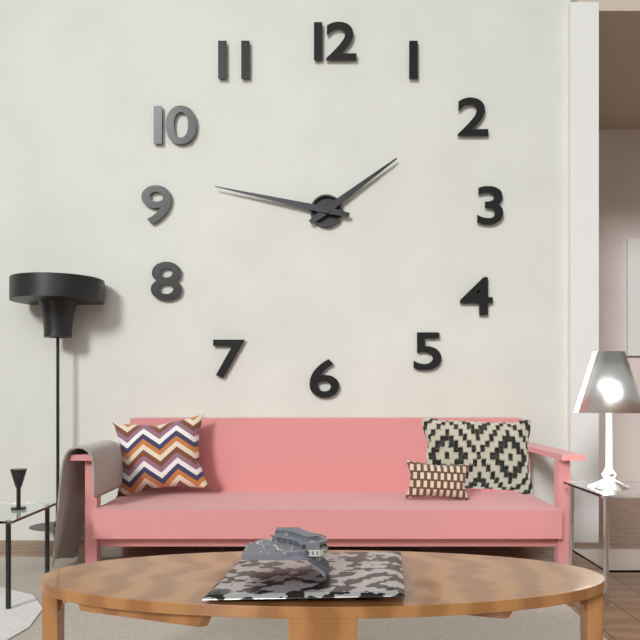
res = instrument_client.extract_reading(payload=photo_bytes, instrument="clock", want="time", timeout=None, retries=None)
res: 1:47
